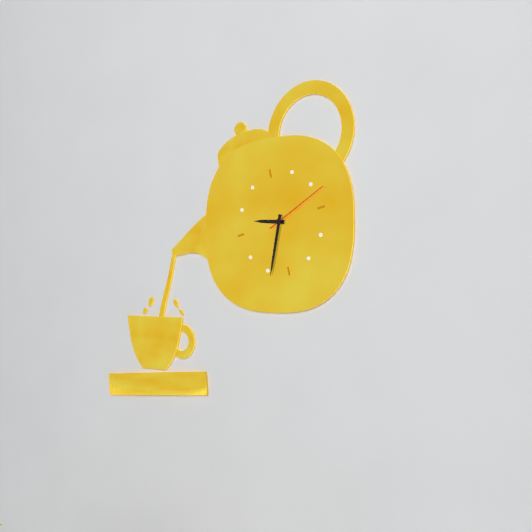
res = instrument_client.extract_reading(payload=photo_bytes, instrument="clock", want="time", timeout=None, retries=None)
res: 9:34:12
